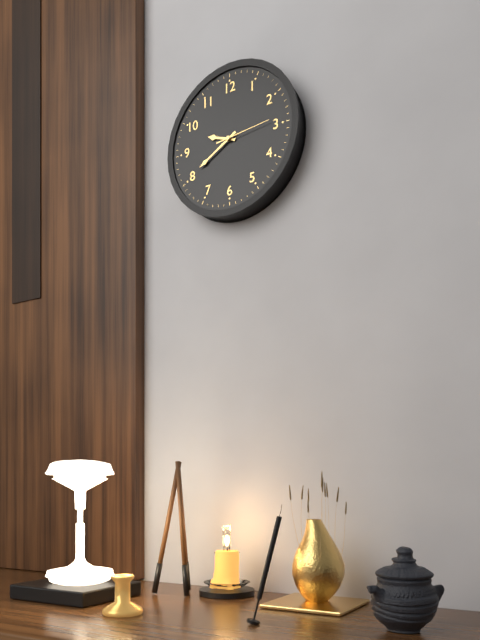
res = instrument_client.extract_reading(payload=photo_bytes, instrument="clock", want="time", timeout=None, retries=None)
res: 9:40:14
